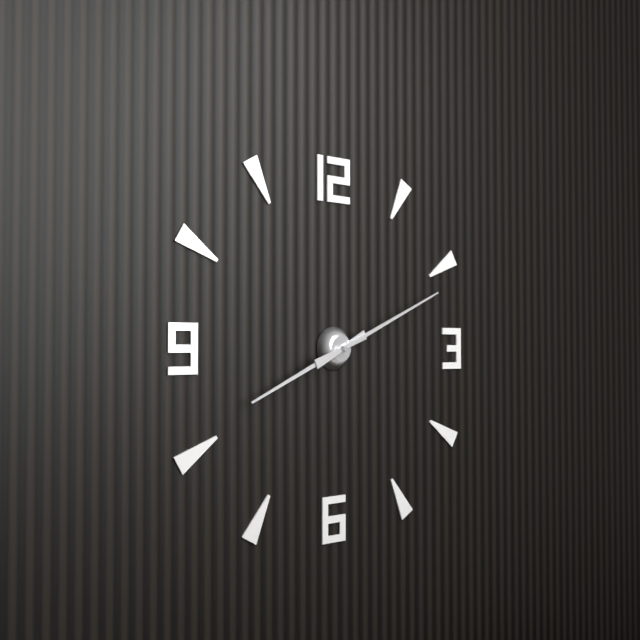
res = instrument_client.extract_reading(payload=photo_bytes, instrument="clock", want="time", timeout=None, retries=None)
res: 8:11
